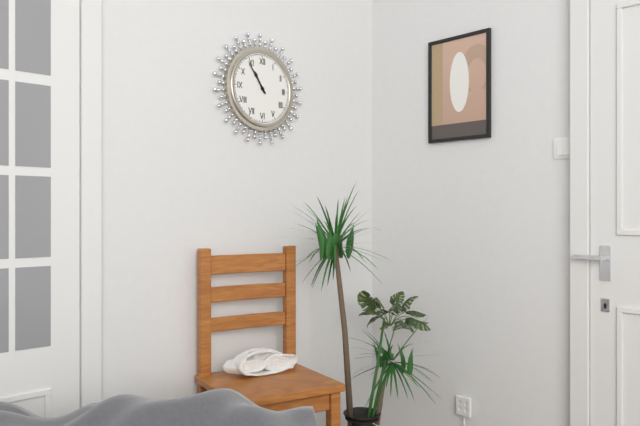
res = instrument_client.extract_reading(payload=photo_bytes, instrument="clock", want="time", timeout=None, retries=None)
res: 10:54
